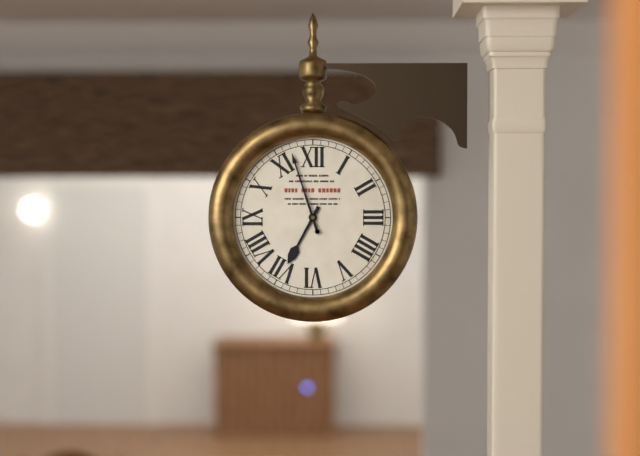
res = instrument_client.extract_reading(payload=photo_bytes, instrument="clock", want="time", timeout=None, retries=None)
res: 6:57
